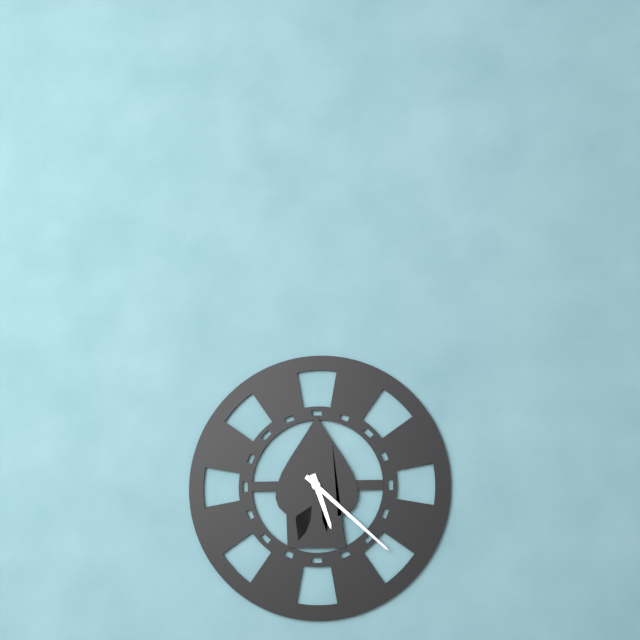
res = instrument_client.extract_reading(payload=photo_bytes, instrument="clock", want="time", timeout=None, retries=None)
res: 5:22
